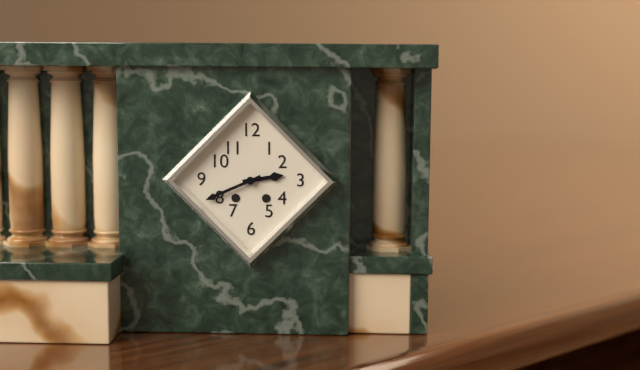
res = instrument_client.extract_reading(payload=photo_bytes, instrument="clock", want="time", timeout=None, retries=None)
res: 2:41
